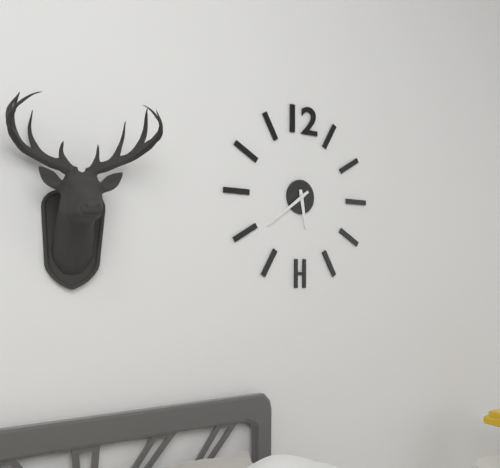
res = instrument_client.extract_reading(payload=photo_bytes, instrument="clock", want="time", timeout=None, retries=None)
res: 5:39
